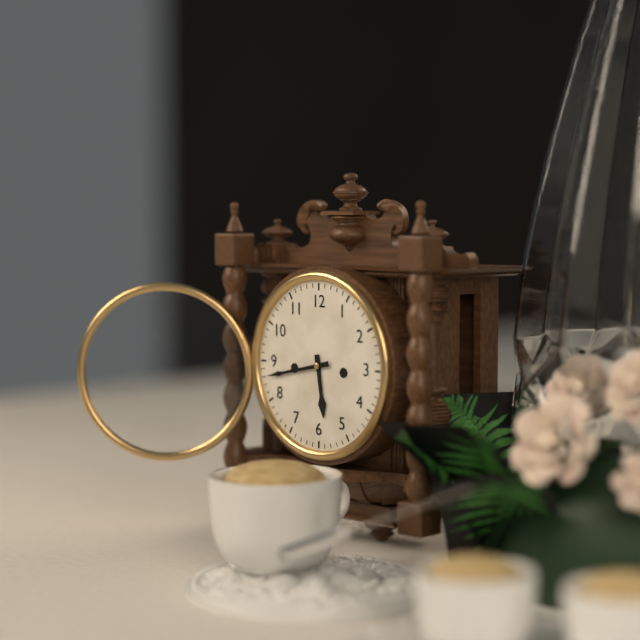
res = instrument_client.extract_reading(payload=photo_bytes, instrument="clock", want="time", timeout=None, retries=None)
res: 5:43
